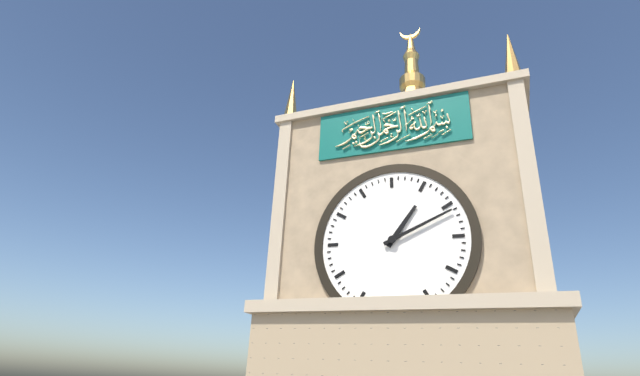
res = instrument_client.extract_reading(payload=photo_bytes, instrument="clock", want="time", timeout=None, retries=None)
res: 1:11
